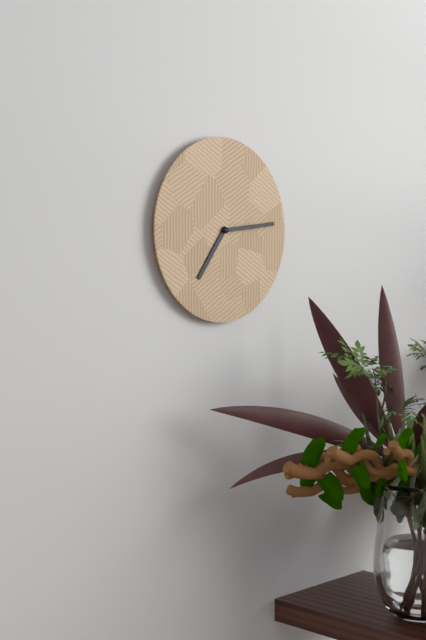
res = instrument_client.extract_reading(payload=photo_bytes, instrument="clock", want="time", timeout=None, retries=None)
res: 7:14
